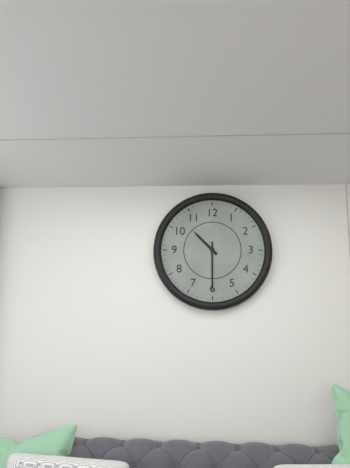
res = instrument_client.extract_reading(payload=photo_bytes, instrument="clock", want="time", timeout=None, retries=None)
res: 10:30
